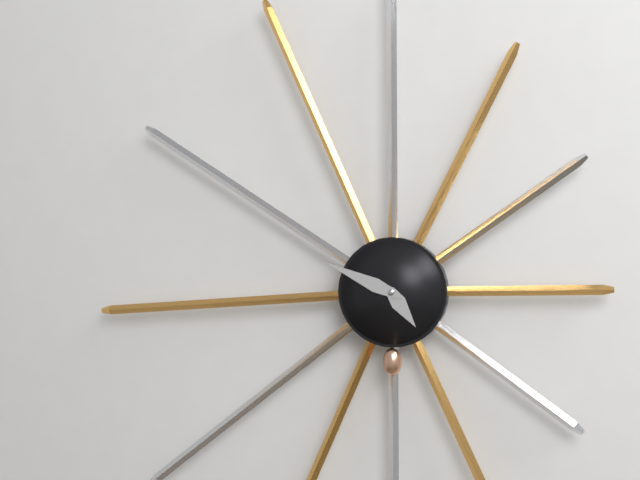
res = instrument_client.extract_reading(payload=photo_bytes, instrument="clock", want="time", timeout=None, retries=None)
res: 4:49
